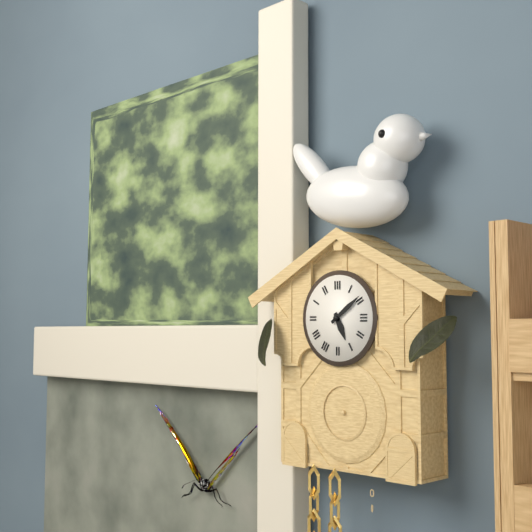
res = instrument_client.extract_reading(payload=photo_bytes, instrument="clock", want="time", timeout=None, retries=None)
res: 5:09
